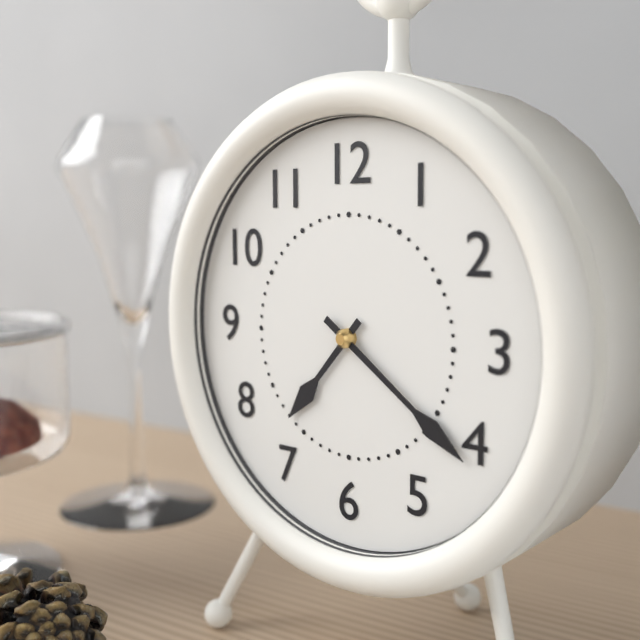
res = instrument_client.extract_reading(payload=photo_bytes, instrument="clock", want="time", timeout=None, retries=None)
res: 7:21
